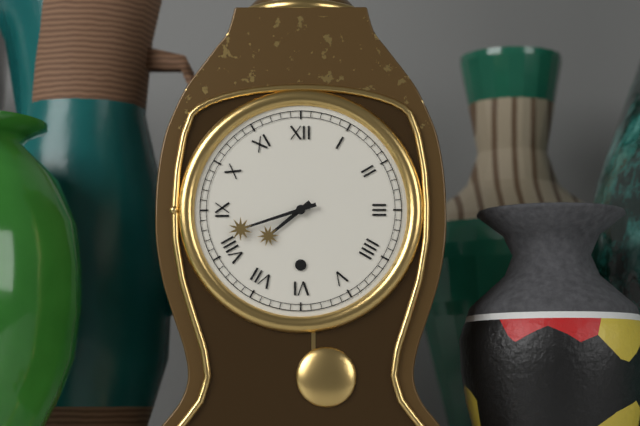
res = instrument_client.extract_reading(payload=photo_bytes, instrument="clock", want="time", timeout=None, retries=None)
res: 7:42
